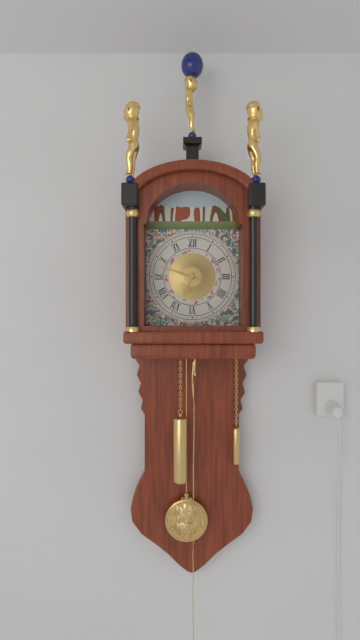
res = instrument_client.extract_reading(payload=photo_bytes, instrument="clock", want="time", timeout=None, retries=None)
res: 6:48
